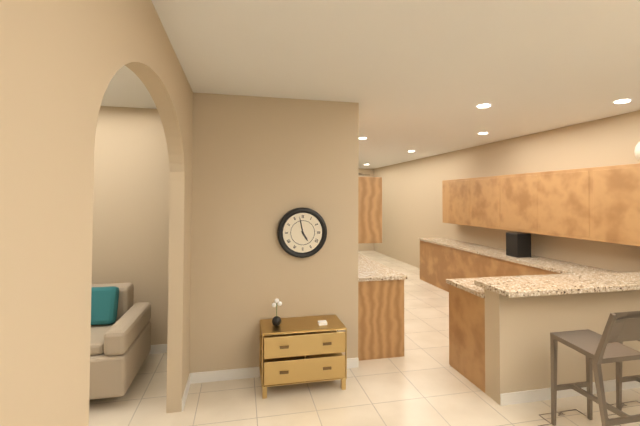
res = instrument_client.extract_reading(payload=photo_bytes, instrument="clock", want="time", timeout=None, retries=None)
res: 4:58
